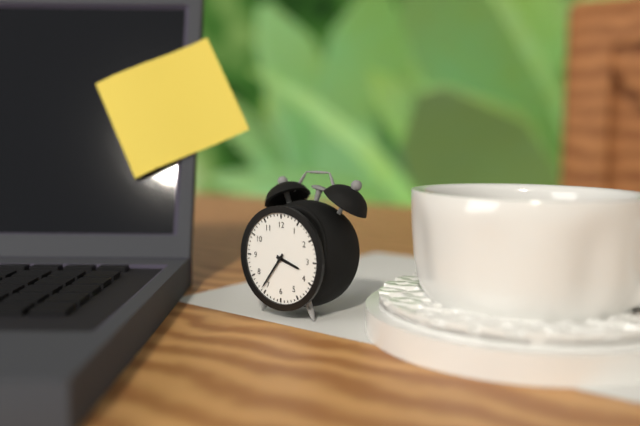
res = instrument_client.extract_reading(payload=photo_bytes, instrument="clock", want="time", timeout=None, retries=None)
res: 3:36
